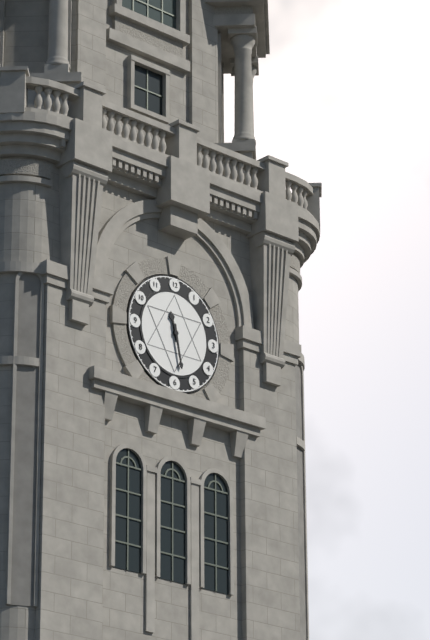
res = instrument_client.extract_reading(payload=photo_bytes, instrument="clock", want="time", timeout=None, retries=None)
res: 11:28
